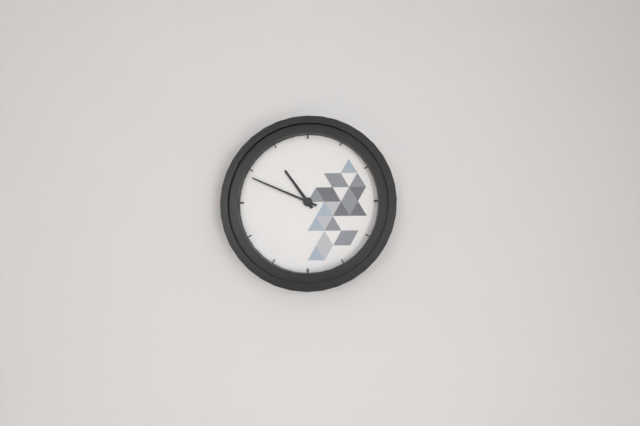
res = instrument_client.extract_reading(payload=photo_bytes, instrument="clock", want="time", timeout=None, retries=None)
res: 10:49
